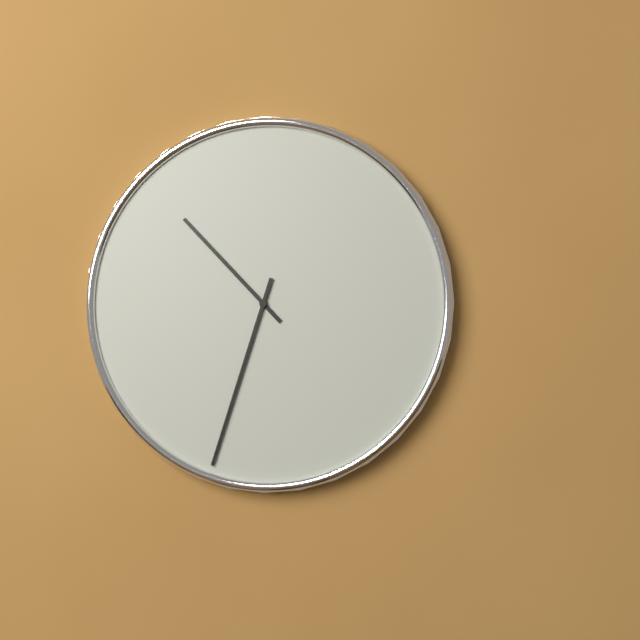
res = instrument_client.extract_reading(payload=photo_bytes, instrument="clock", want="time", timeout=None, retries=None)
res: 10:33
